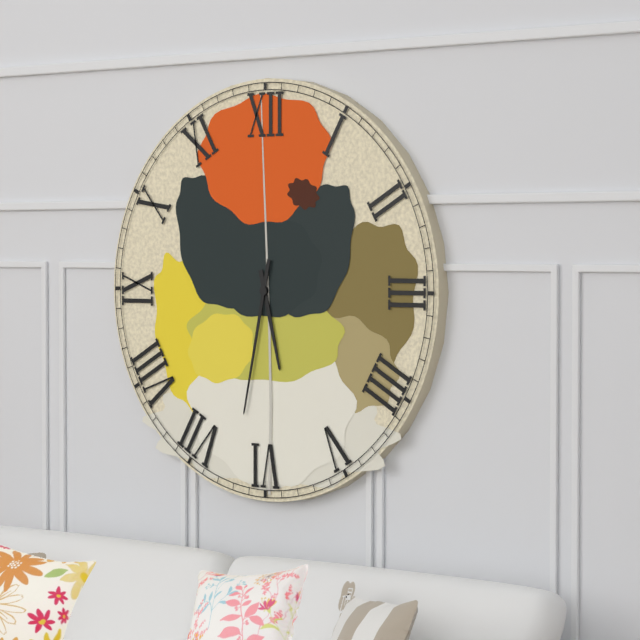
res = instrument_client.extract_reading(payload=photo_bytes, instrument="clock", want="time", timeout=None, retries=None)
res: 5:32
